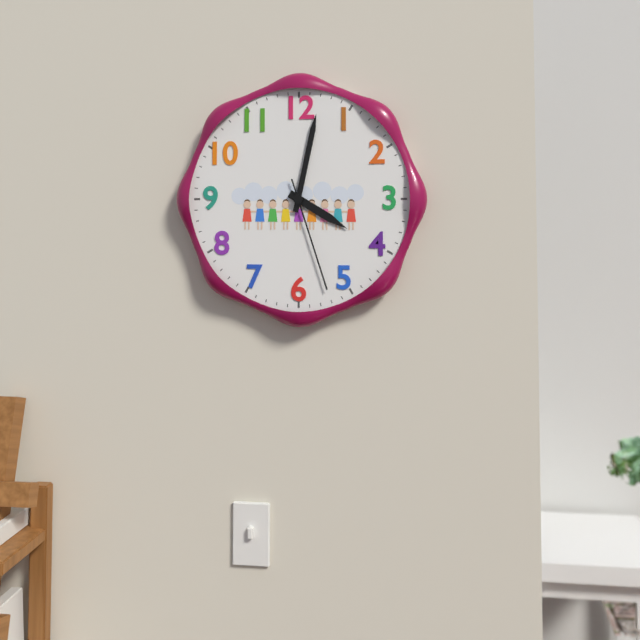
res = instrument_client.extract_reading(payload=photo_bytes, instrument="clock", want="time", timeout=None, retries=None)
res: 4:02:27
